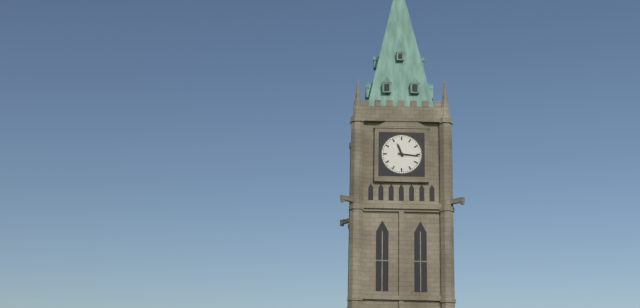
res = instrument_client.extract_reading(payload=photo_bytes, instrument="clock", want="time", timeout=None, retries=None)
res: 11:16
